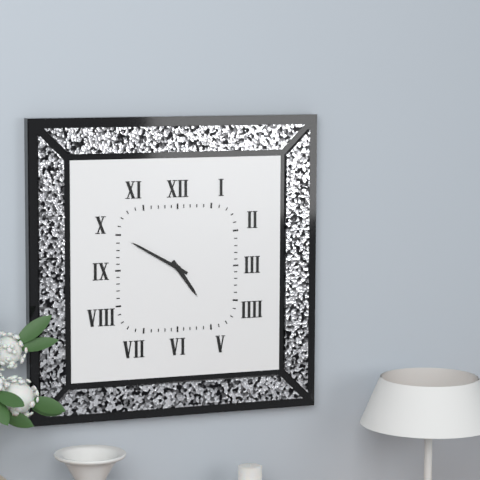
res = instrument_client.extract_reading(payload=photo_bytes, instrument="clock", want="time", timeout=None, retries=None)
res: 4:50
